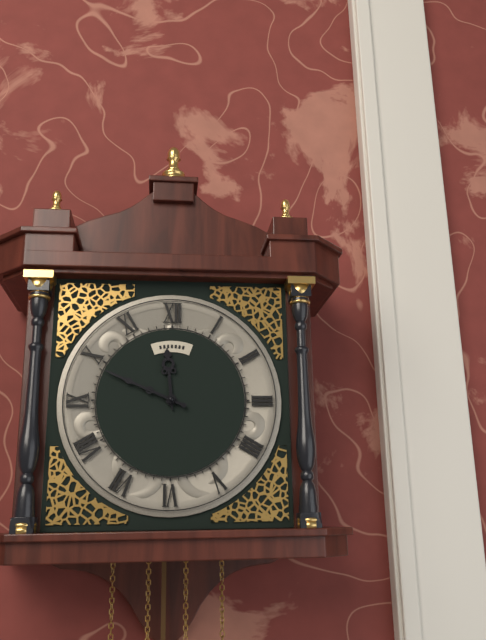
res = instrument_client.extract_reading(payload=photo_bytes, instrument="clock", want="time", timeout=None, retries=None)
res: 11:49
